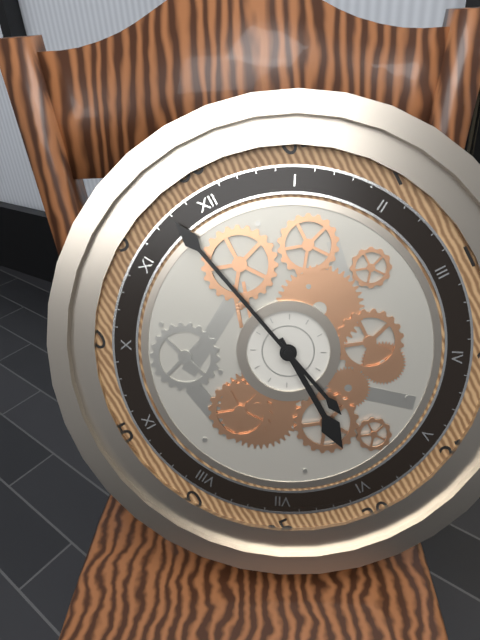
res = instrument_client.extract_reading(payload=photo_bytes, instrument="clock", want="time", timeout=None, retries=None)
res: 5:58
